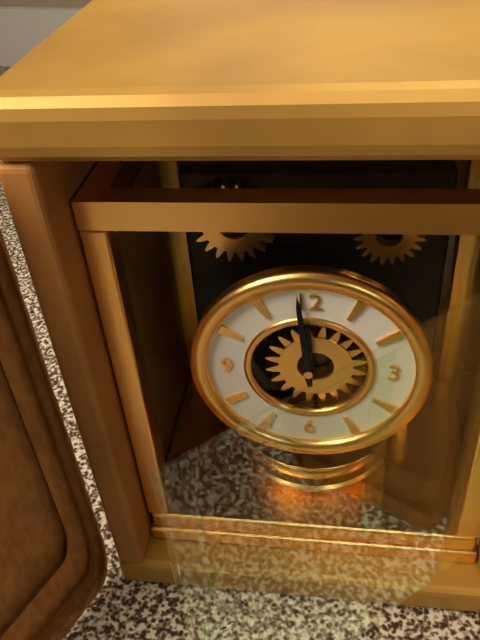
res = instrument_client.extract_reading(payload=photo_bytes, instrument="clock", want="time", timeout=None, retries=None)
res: 11:59
